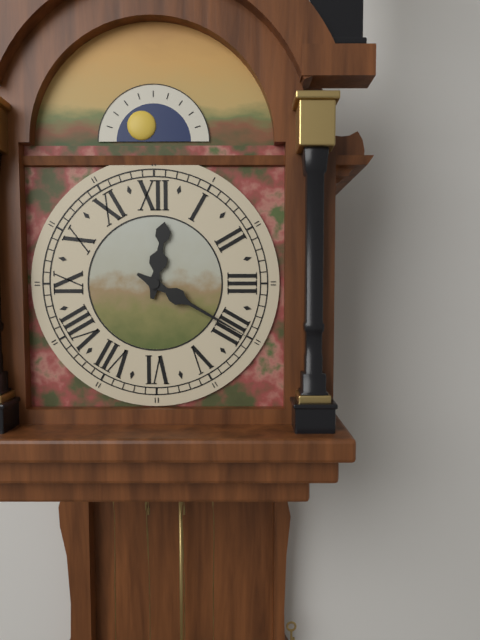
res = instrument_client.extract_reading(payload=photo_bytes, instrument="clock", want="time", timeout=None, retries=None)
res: 12:20
